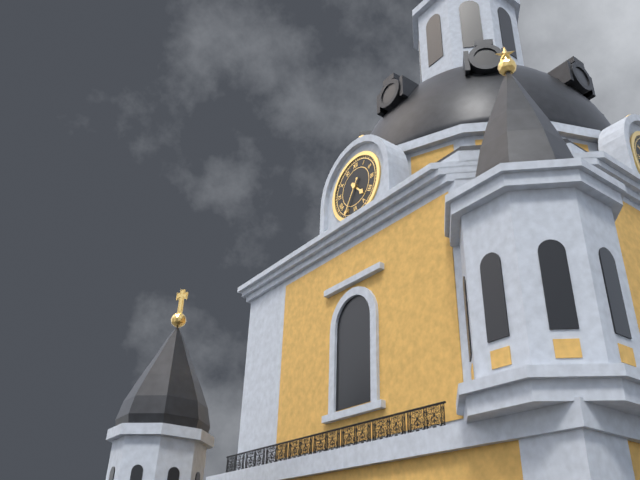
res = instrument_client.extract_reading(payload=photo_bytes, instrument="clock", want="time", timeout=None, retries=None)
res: 4:35
